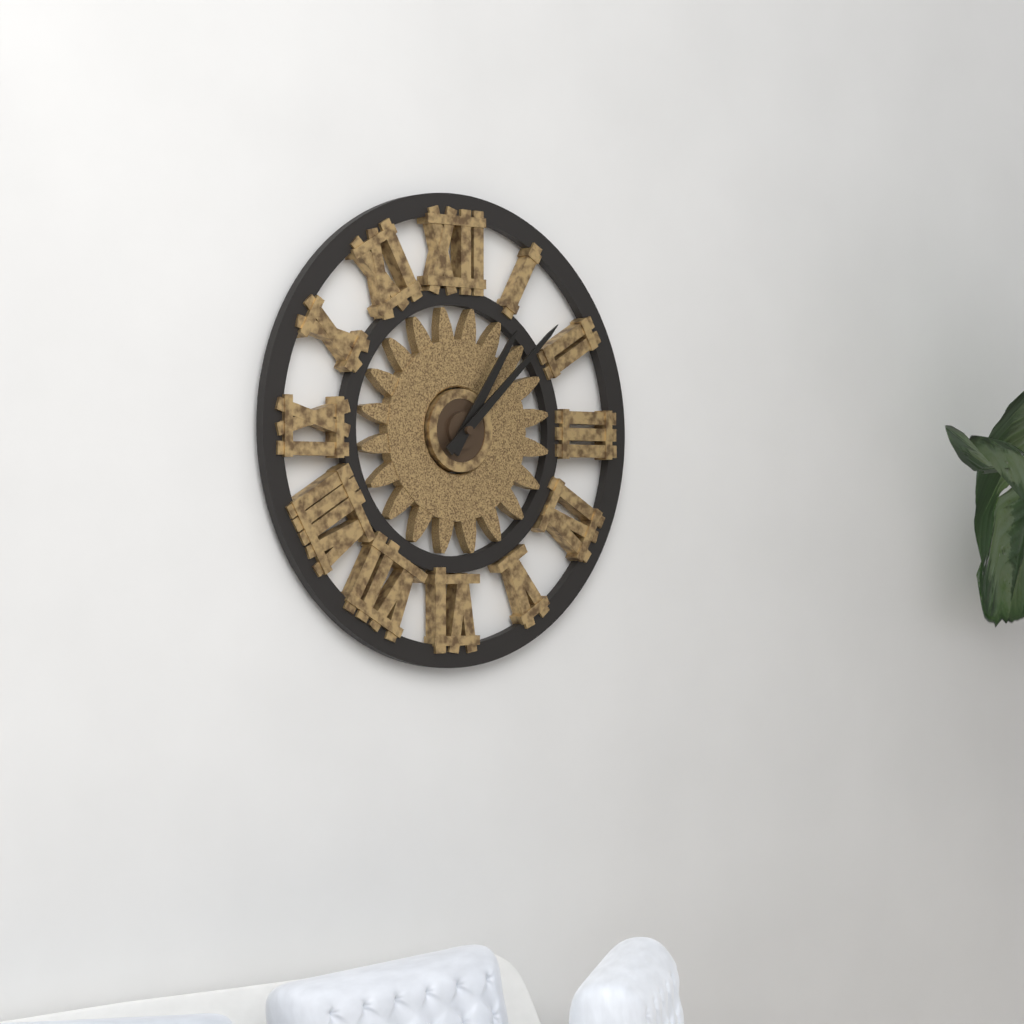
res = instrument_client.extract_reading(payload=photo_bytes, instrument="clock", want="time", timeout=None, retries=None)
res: 1:08
